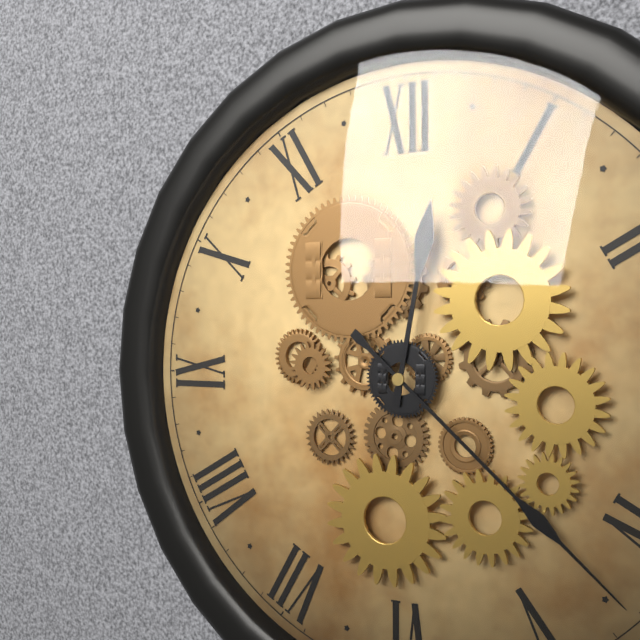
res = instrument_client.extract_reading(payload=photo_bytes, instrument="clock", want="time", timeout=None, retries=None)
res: 12:22
